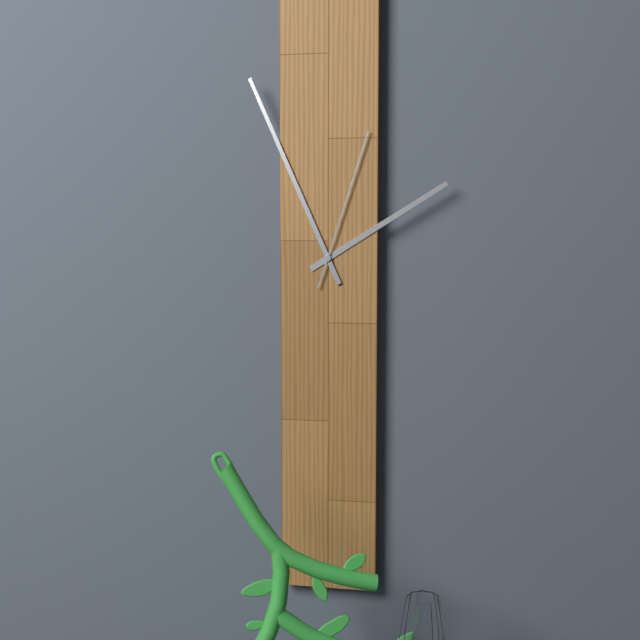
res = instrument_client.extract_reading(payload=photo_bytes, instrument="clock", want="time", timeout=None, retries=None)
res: 1:56:03
